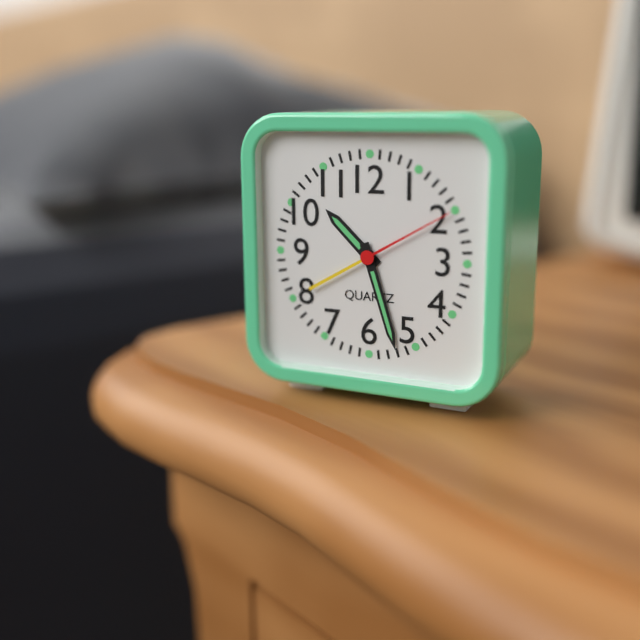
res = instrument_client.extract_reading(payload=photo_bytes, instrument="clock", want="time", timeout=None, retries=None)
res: 10:27:10
